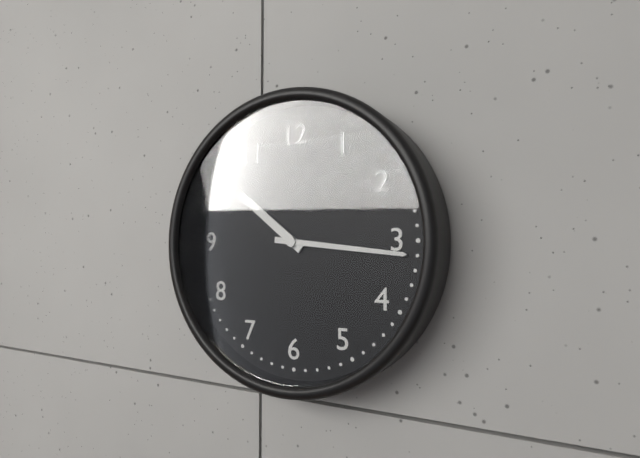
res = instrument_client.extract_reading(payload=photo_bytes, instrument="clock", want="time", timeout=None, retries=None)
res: 10:16
